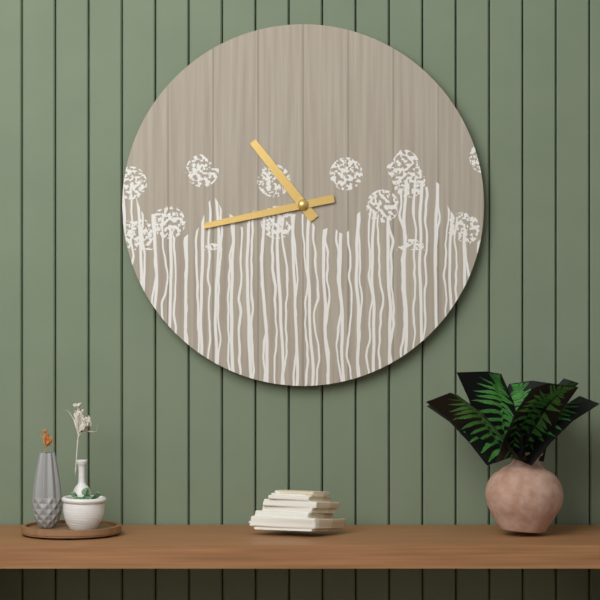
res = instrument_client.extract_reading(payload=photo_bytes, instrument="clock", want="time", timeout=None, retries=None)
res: 10:43
